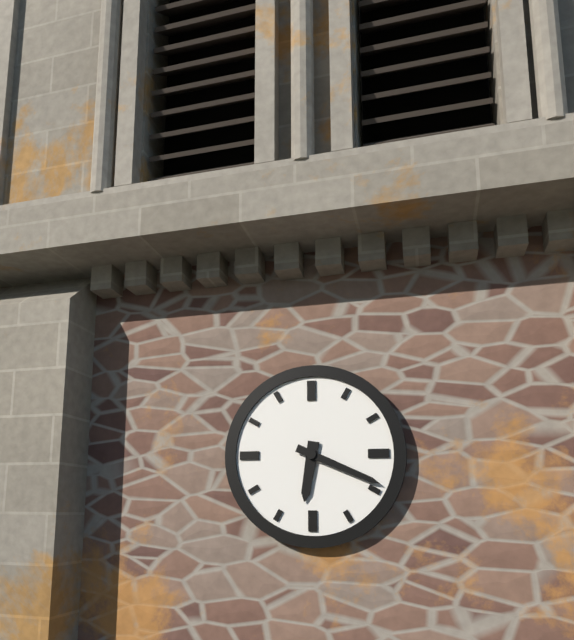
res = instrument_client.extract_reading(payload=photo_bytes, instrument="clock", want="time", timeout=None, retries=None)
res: 6:19
